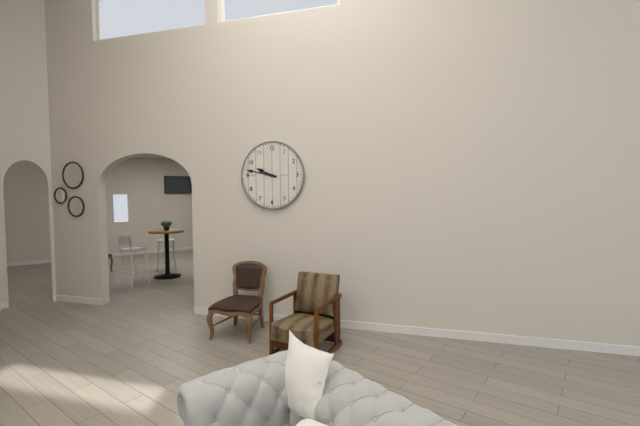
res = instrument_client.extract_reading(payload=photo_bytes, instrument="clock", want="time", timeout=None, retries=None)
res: 9:47
